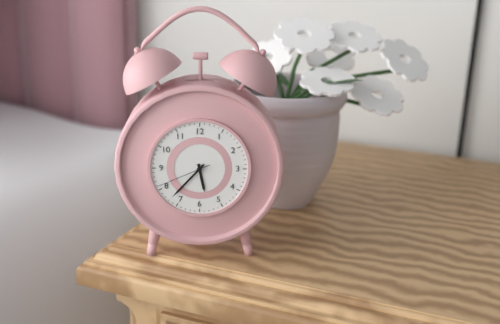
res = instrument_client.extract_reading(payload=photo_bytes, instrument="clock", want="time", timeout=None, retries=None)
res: 5:37:41
